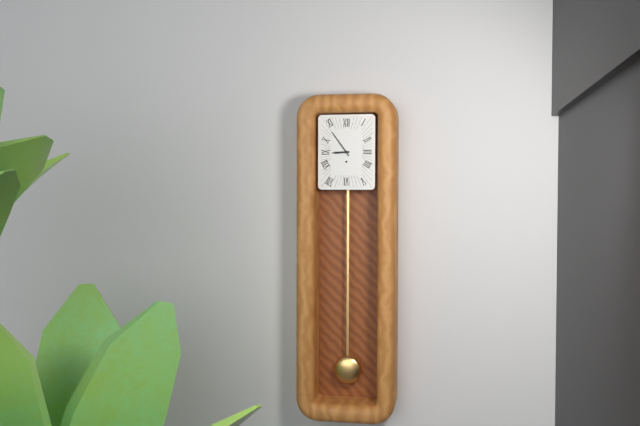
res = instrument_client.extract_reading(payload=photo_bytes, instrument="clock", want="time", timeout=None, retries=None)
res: 8:54
